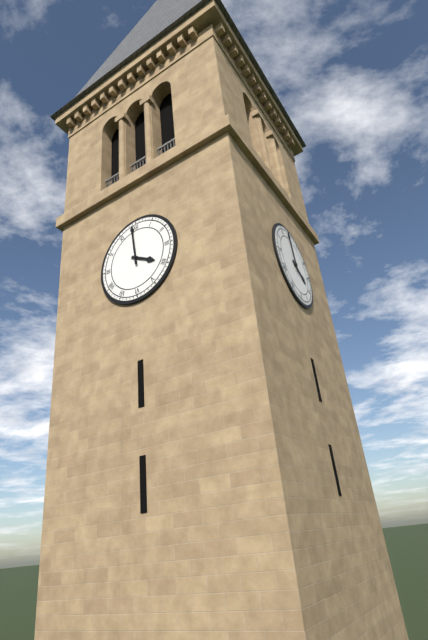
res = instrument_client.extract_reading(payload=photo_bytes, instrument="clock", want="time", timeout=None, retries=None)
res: 3:59
